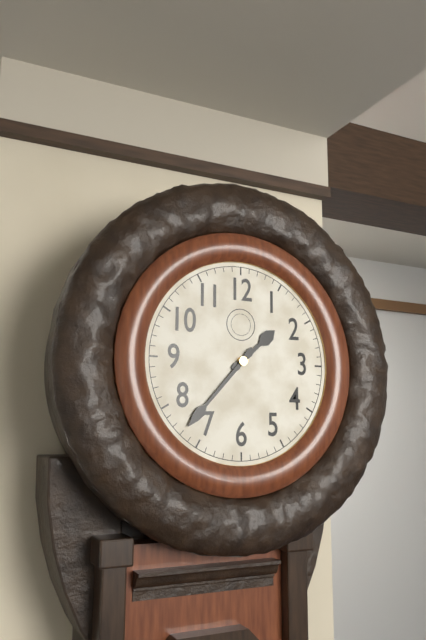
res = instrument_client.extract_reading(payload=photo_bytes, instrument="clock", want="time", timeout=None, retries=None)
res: 1:37
